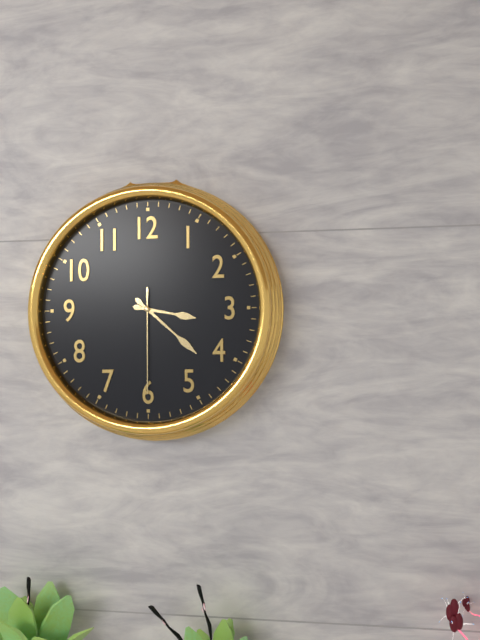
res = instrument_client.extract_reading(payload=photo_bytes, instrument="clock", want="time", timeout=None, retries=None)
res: 3:22:30
